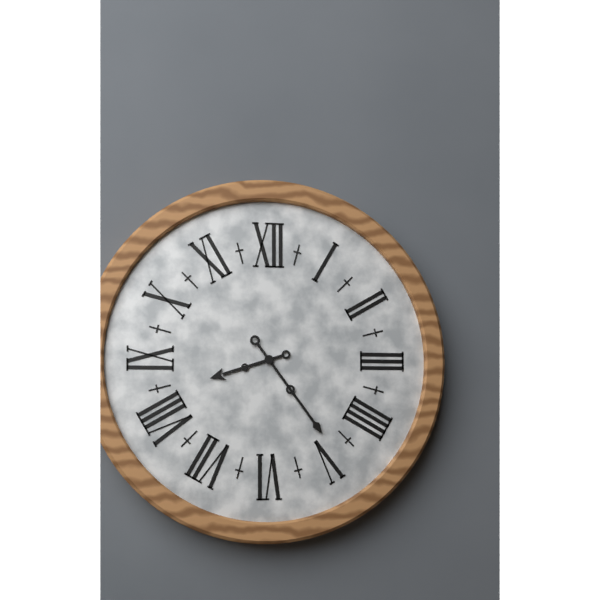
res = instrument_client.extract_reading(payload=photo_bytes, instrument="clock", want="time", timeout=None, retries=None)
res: 8:24
